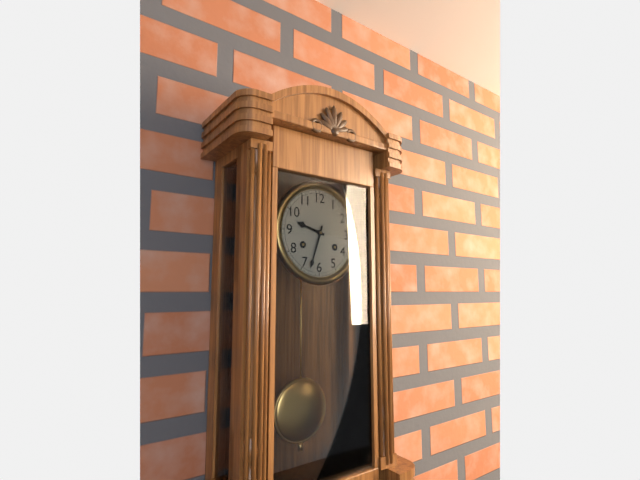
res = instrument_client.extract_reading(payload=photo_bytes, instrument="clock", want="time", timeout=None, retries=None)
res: 9:33
